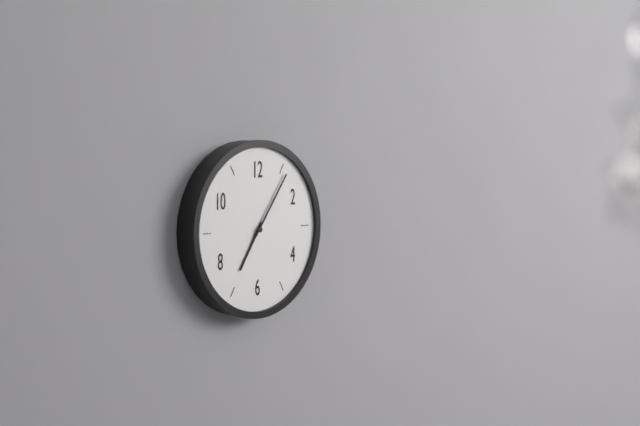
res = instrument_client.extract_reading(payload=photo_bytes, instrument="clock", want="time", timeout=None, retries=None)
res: 7:06
